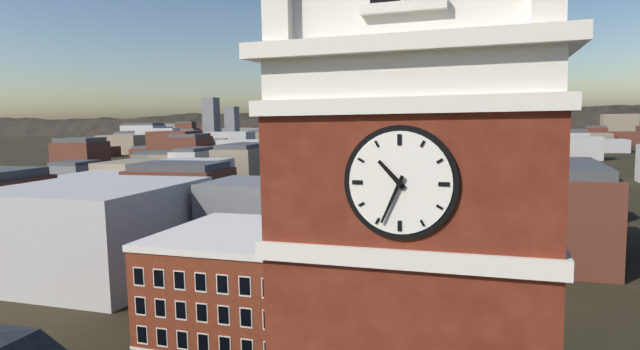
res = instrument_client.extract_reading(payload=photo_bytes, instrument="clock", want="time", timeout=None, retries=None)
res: 10:34
